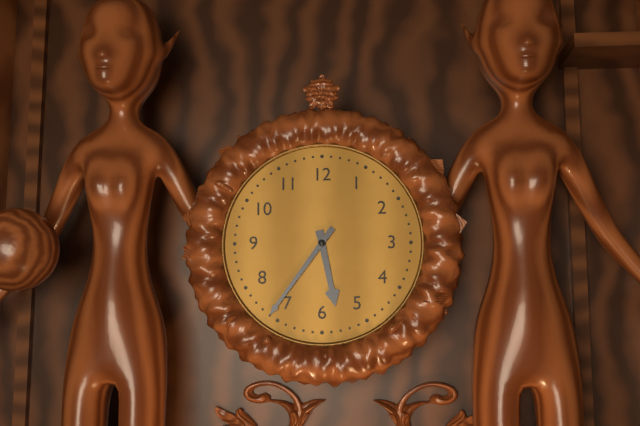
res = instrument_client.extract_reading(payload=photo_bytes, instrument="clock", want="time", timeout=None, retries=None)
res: 5:36
